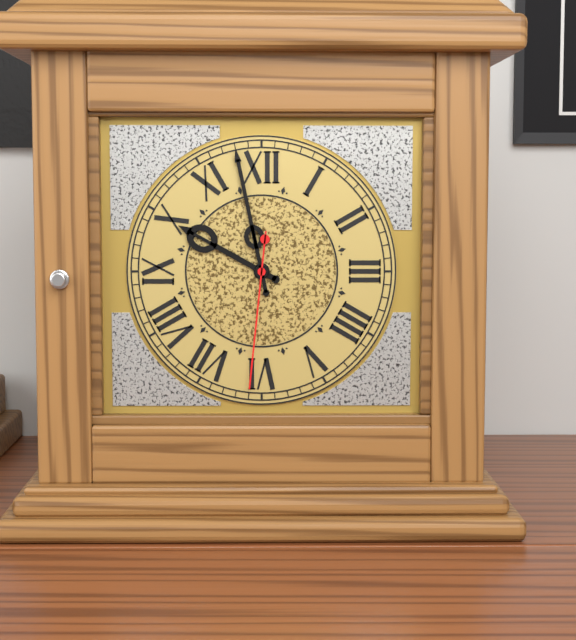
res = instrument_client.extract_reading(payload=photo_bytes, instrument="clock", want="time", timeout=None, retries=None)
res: 9:58:31
